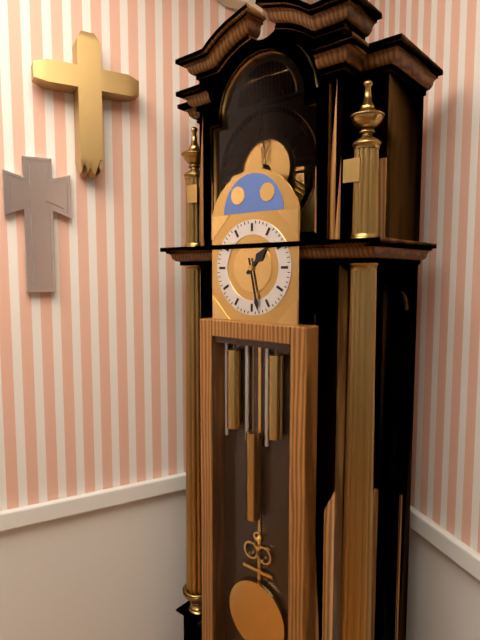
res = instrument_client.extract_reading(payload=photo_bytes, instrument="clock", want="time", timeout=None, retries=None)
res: 1:28
